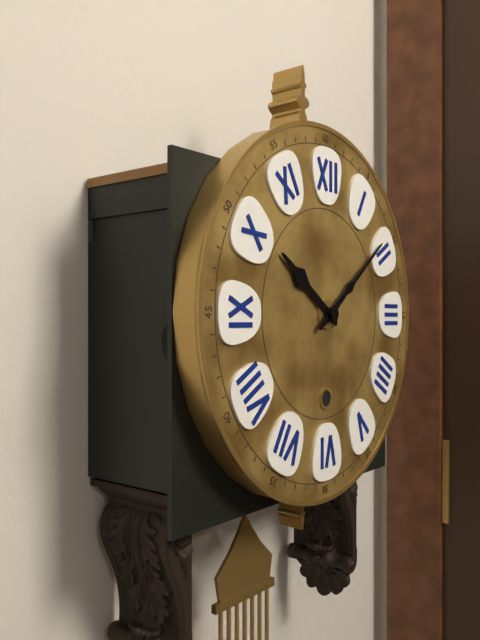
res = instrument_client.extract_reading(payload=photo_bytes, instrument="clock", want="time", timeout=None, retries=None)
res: 10:09
